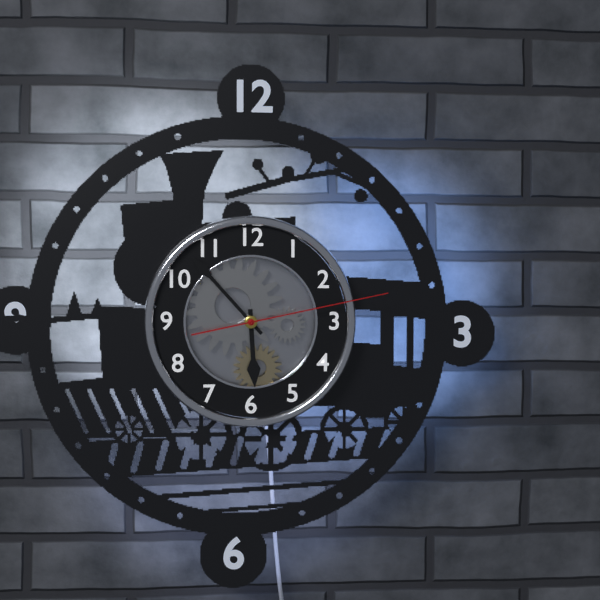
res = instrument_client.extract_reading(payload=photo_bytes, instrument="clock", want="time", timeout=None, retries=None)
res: 5:53:13
